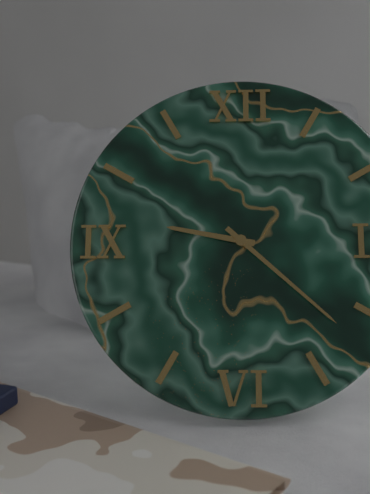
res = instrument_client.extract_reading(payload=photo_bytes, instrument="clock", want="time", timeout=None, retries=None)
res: 9:22
